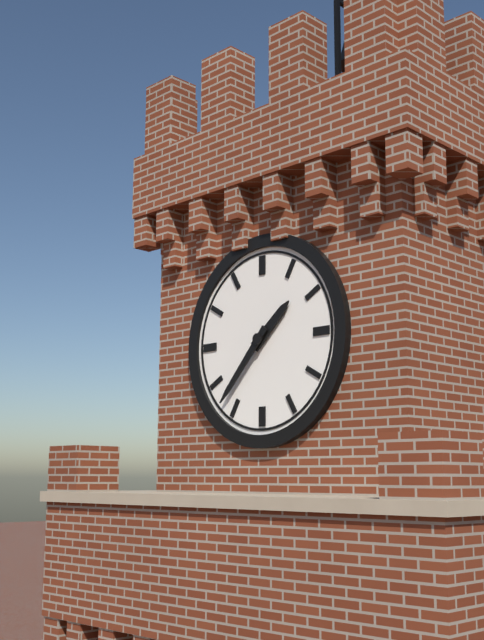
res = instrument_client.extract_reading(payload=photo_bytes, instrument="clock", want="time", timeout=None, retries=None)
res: 1:37
